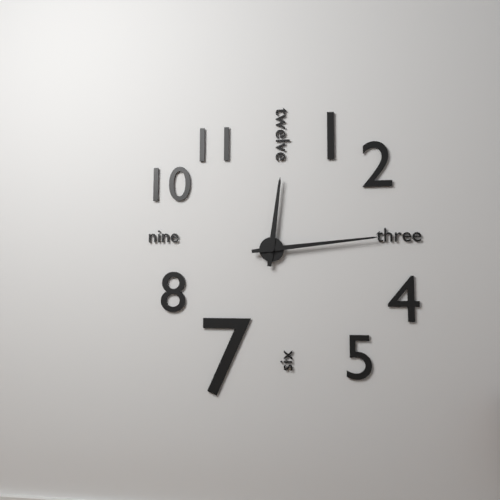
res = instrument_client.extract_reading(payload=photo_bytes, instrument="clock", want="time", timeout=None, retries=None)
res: 12:14
